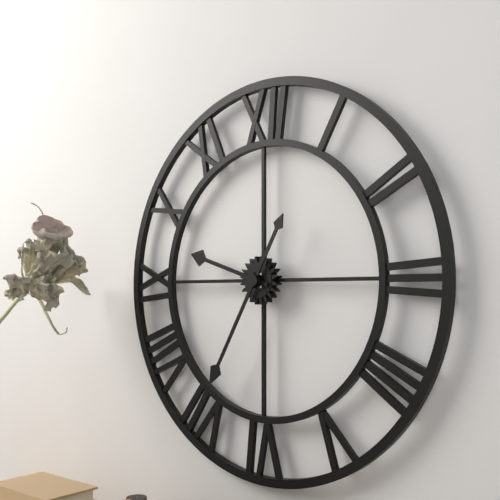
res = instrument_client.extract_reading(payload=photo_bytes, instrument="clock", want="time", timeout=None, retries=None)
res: 9:35
